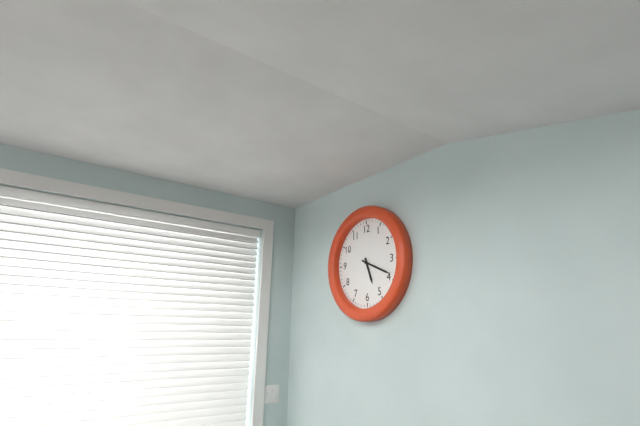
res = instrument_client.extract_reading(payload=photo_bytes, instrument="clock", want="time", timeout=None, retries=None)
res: 5:19
